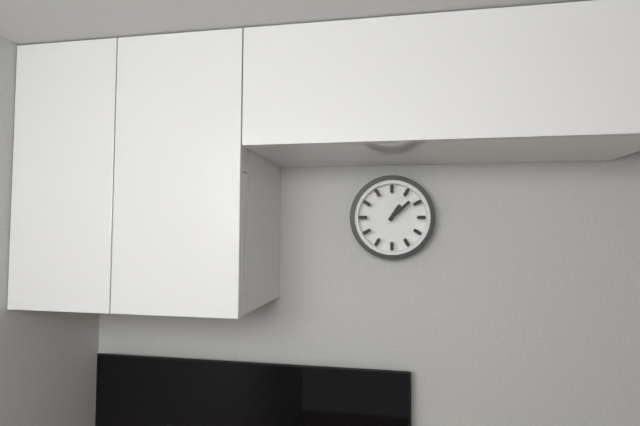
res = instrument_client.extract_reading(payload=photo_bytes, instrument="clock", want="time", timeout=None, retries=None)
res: 1:08
